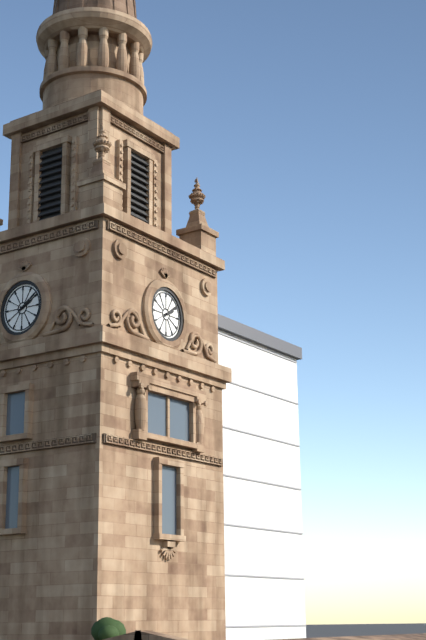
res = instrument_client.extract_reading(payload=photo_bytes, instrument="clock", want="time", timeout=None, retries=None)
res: 2:09
